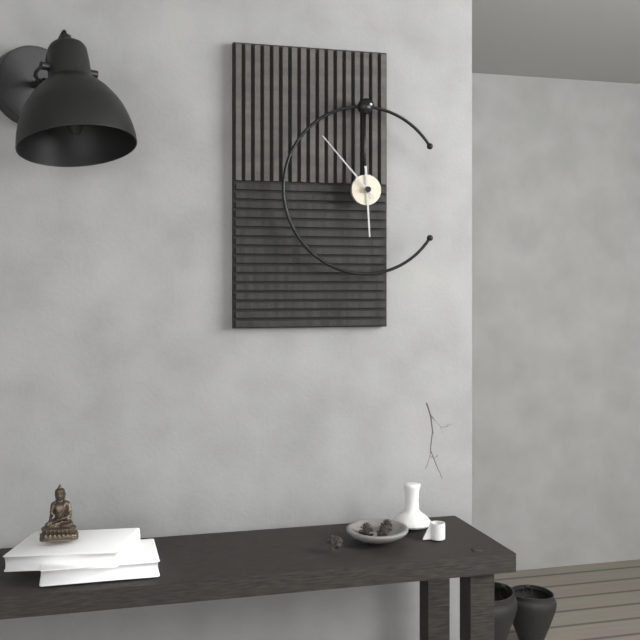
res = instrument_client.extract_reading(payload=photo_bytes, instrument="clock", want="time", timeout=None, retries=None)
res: 5:53
